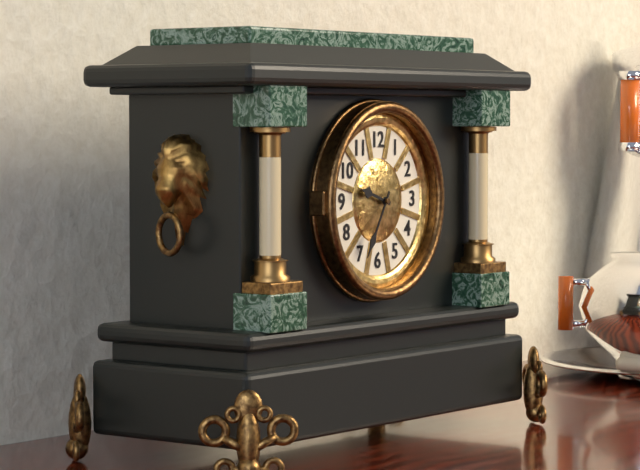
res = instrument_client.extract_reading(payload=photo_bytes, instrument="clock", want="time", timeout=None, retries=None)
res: 9:35
